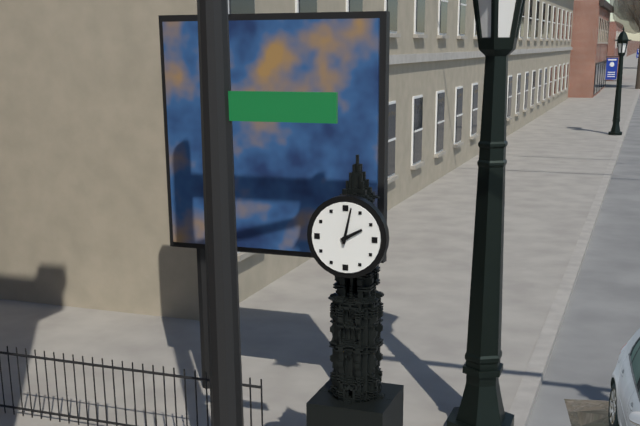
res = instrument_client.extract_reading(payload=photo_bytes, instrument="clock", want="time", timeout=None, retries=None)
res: 2:02
